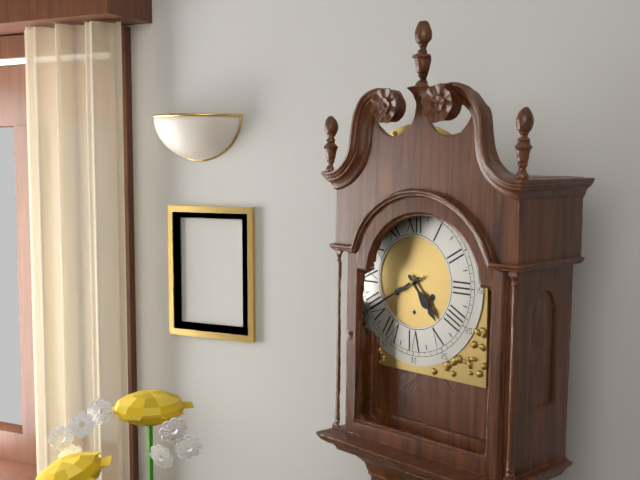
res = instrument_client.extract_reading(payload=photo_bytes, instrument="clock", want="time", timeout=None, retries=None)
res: 4:40
